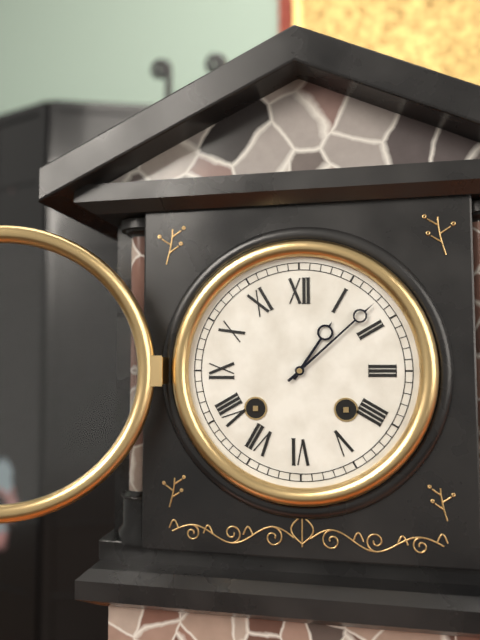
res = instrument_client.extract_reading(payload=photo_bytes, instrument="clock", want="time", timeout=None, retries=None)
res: 1:08
